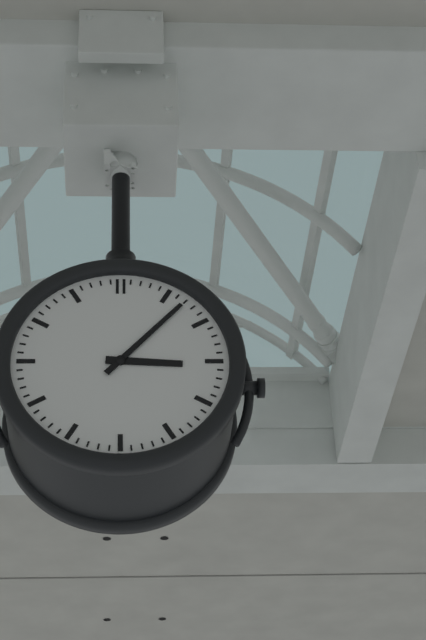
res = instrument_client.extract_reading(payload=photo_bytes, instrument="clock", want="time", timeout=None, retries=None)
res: 3:07
